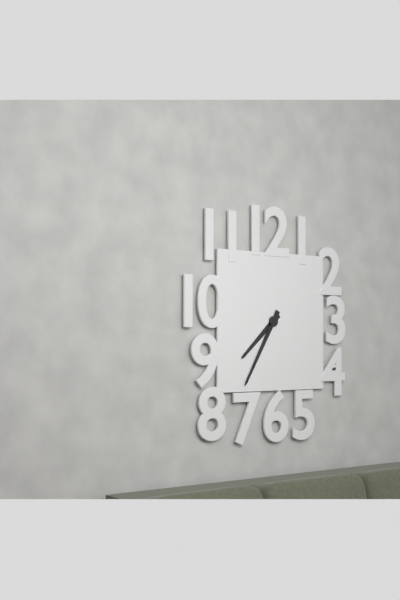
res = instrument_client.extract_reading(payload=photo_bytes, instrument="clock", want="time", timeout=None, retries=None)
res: 7:35
